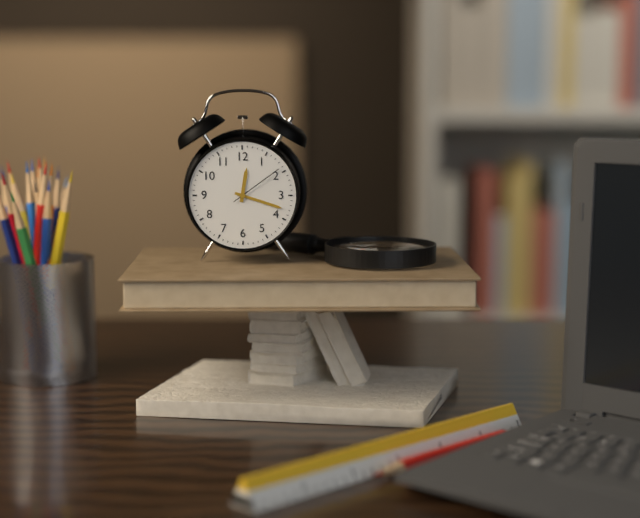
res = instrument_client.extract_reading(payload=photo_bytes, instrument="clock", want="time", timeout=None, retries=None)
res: 12:18:09
